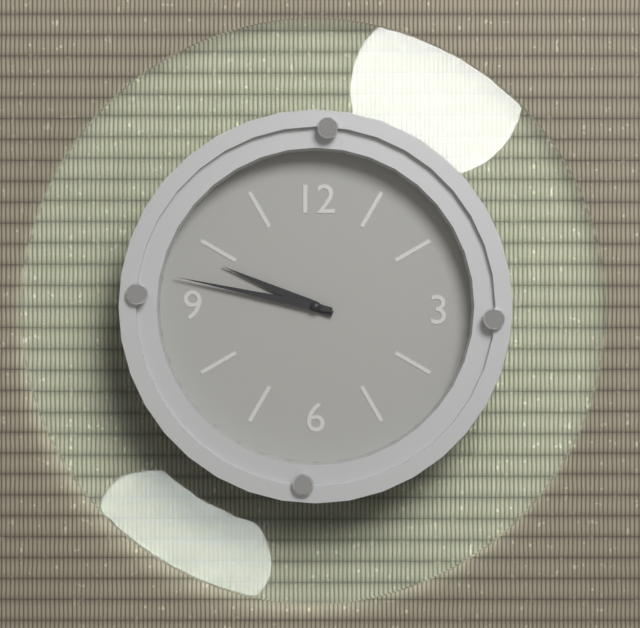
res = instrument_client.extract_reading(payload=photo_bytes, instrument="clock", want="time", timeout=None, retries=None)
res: 9:47
